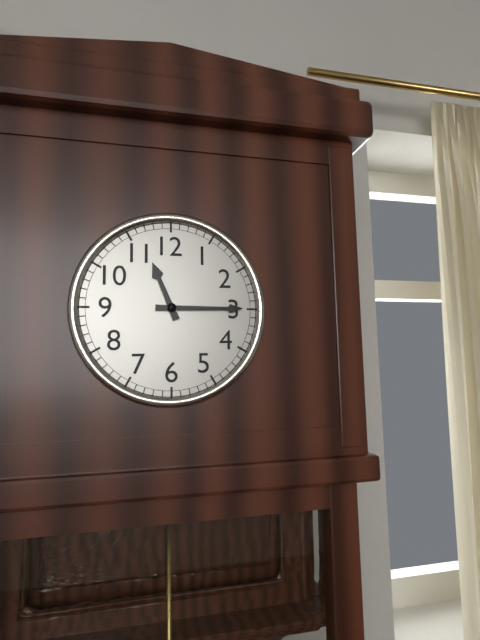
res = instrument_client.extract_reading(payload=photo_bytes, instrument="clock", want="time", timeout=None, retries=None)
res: 11:15
